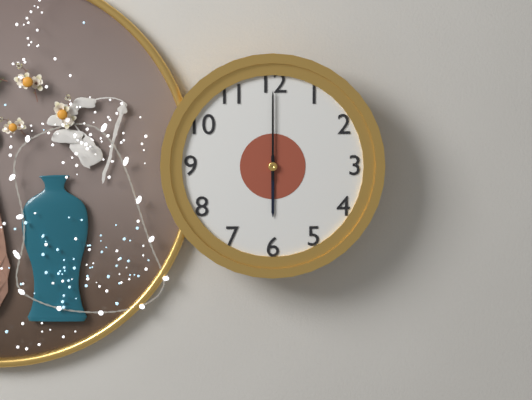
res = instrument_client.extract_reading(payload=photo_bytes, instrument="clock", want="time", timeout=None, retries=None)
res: 6:00
